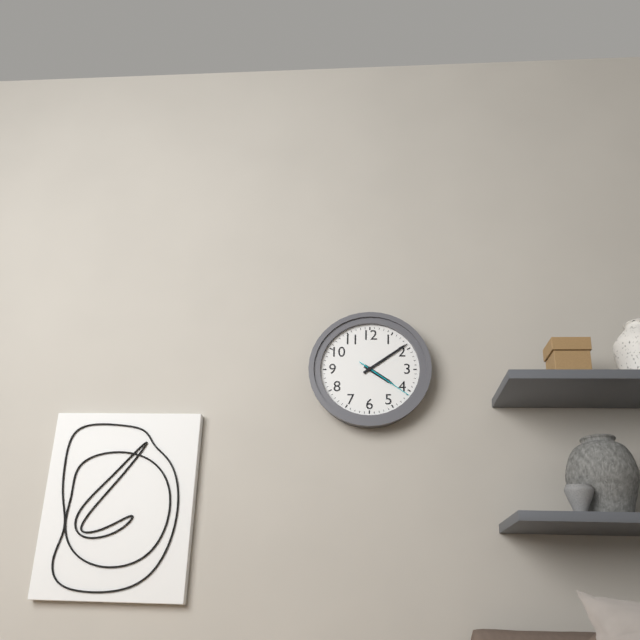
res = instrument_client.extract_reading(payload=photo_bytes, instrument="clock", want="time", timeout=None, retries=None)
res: 4:09:21
